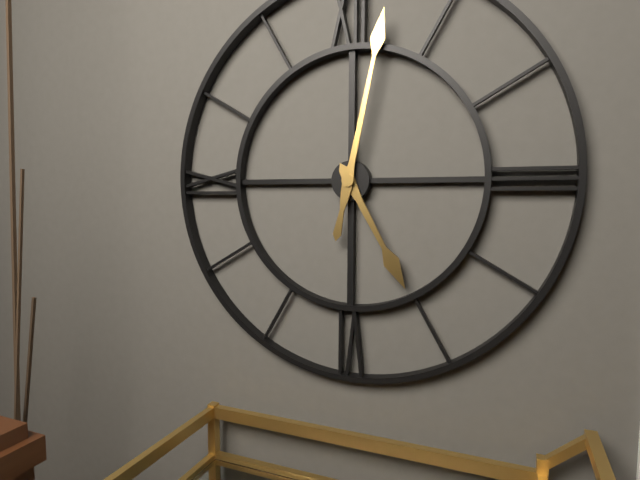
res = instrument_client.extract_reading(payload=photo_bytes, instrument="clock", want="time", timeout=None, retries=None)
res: 5:02
